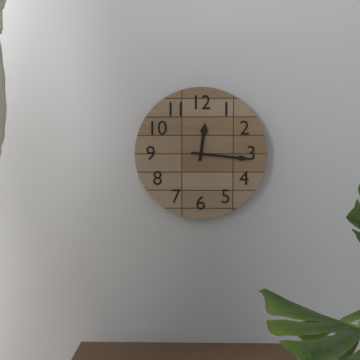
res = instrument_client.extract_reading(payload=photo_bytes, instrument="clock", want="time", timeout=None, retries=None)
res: 12:16
